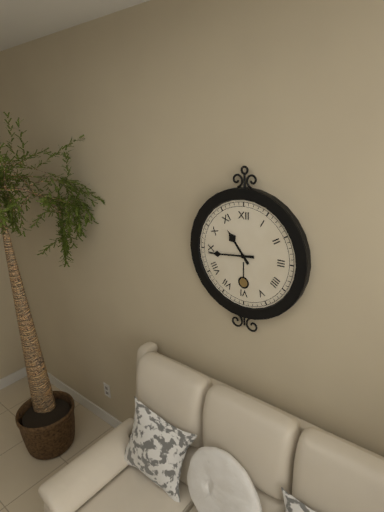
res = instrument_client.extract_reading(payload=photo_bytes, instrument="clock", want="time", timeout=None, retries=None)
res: 10:44
